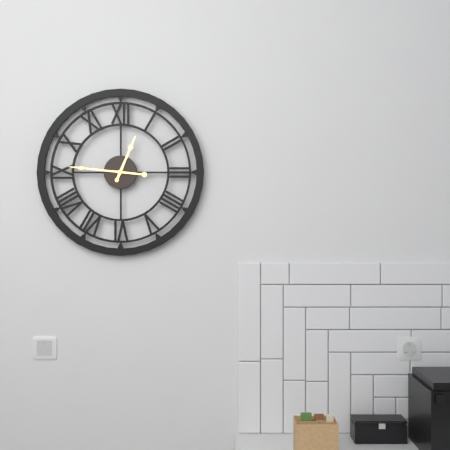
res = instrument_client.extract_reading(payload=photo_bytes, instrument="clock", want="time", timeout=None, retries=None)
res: 12:46
